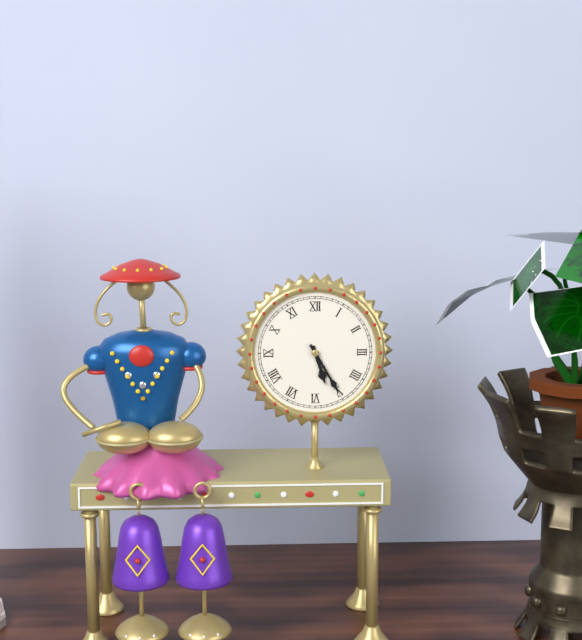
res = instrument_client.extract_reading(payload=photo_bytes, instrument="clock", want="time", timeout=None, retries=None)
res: 5:25
